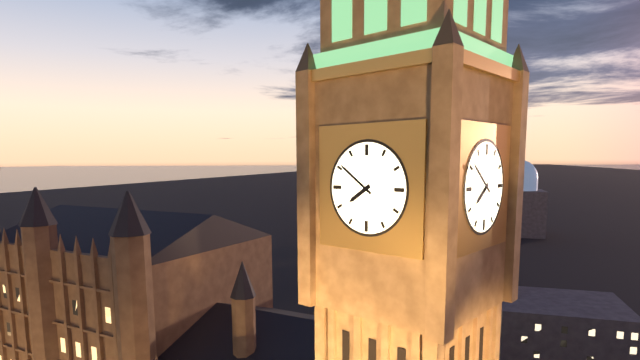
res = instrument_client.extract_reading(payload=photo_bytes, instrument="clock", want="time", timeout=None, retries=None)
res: 7:51
